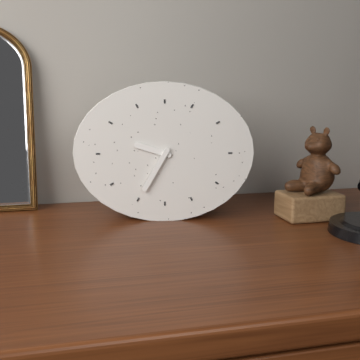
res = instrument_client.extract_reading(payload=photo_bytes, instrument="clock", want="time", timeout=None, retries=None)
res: 9:35
